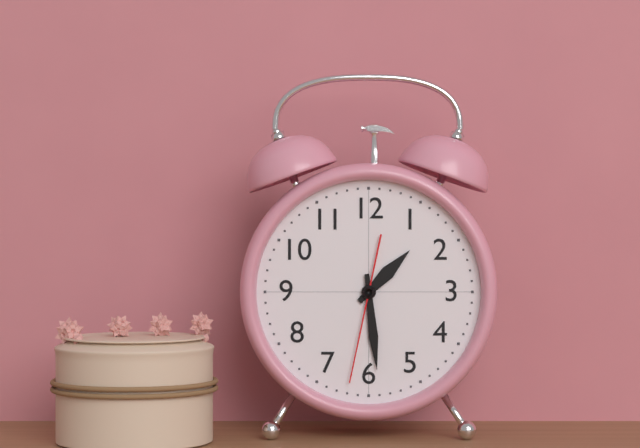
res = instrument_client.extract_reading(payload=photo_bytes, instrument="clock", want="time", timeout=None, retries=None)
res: 1:29:32
